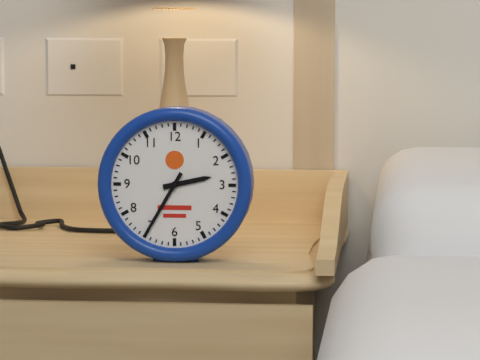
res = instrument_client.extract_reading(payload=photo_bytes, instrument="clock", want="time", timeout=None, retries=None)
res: 2:35
